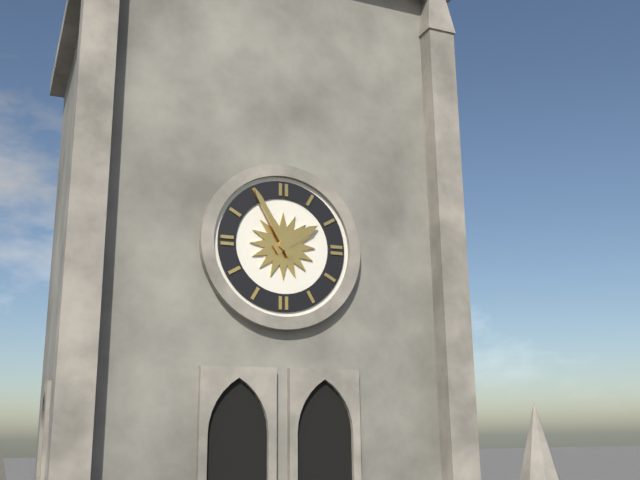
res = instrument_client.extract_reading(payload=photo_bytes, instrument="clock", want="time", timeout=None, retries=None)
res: 1:55
